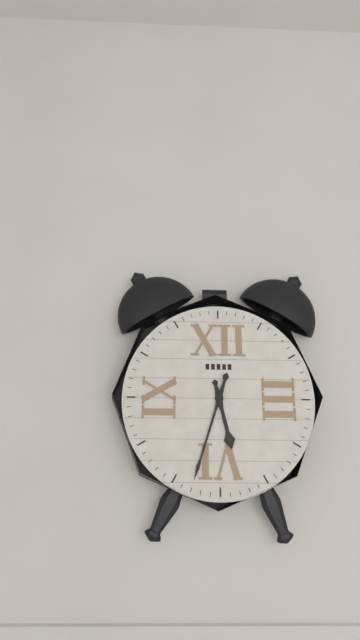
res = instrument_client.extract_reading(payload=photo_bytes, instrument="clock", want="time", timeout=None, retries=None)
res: 5:33
